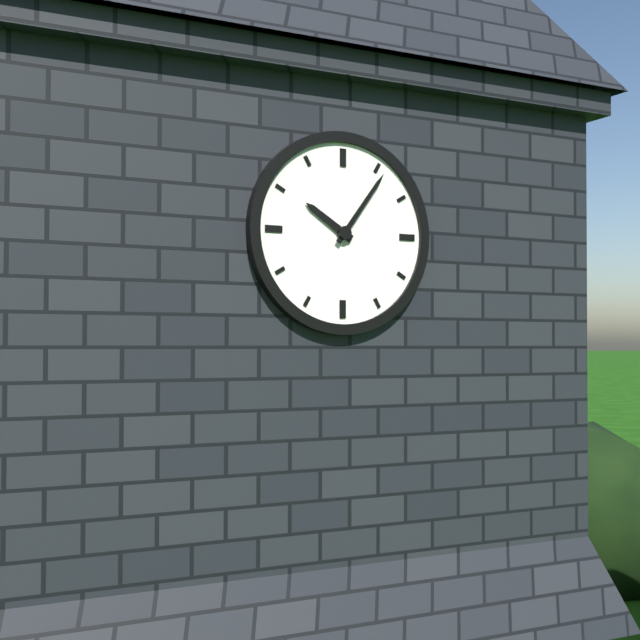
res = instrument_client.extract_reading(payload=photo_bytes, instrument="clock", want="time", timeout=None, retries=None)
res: 10:06
